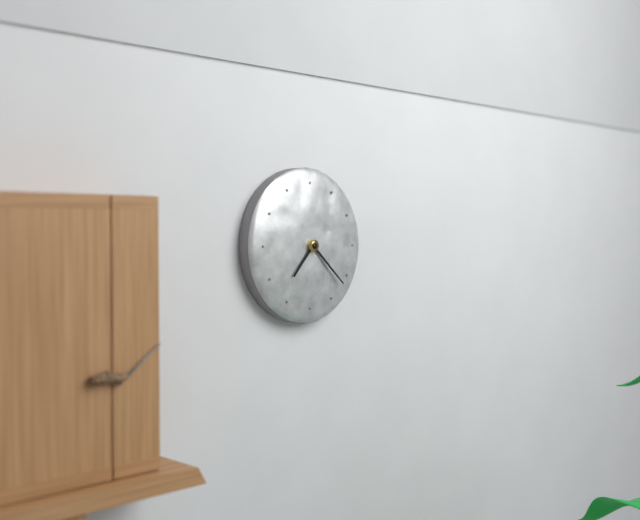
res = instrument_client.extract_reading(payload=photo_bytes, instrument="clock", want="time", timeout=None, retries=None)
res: 7:22
